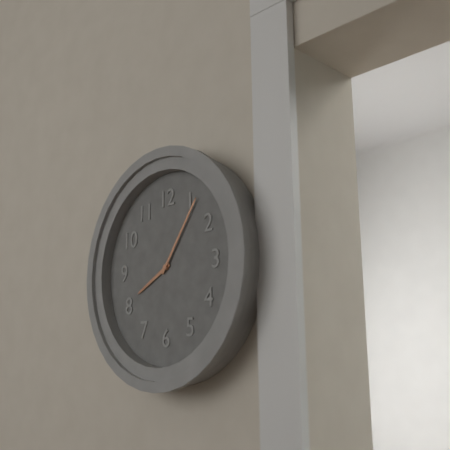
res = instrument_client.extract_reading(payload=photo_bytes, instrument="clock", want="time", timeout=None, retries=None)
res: 8:06
